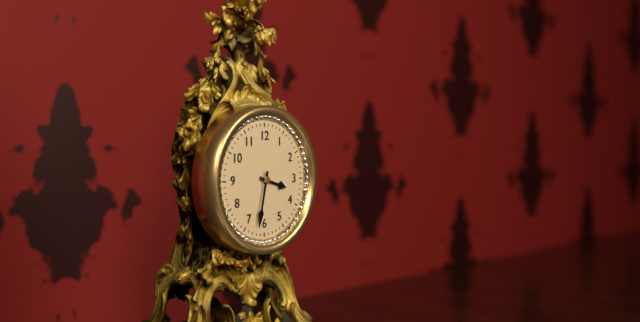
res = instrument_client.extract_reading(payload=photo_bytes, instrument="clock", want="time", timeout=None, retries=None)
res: 3:32
